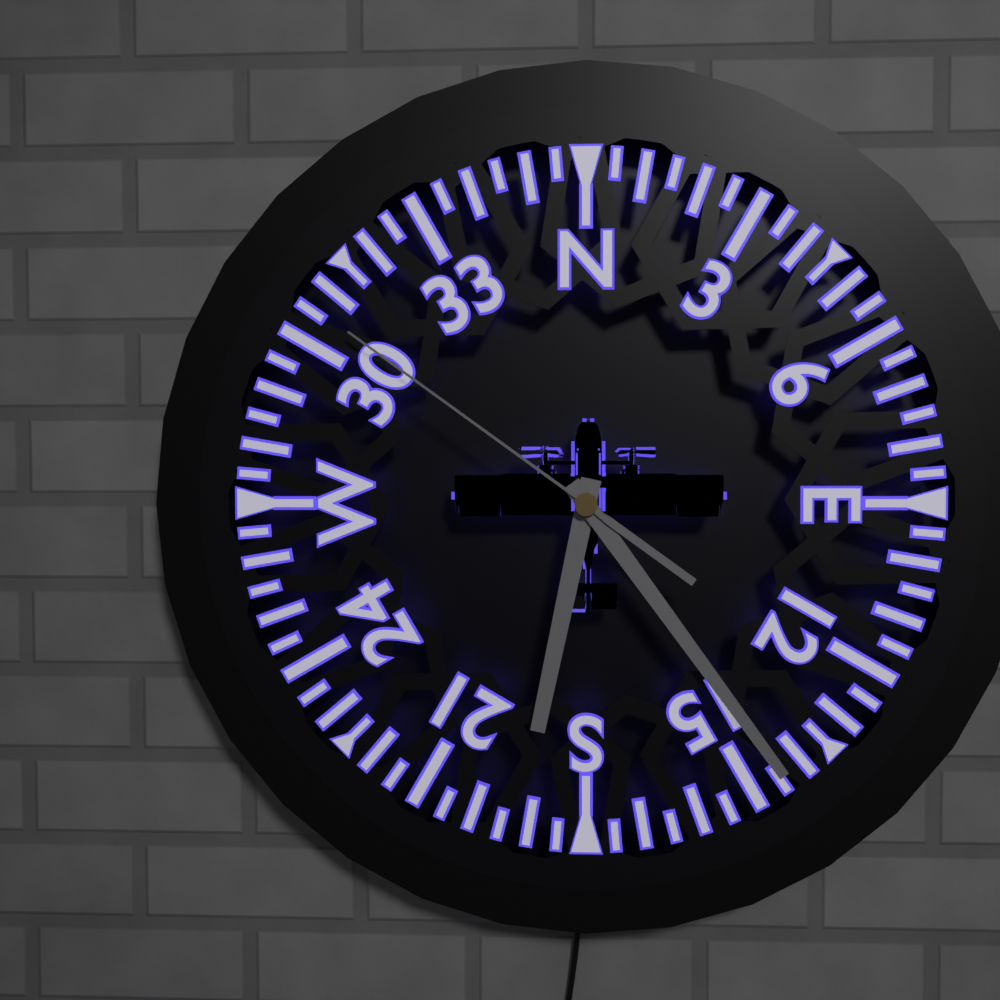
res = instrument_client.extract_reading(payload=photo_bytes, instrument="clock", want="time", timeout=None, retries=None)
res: 6:24:51
